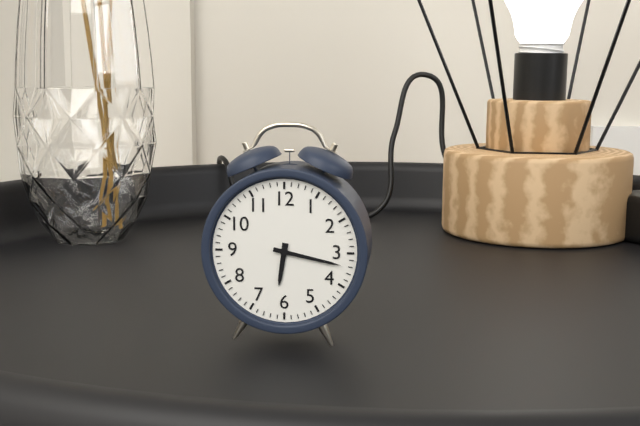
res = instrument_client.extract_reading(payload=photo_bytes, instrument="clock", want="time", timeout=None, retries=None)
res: 6:17
